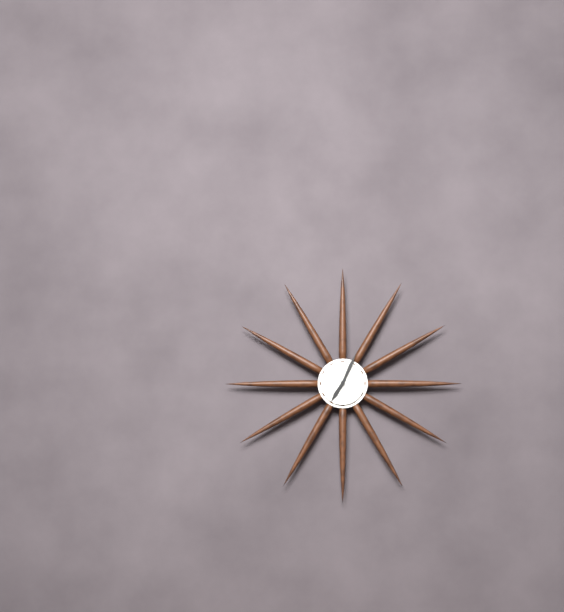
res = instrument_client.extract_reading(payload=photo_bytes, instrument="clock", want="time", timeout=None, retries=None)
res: 7:04
